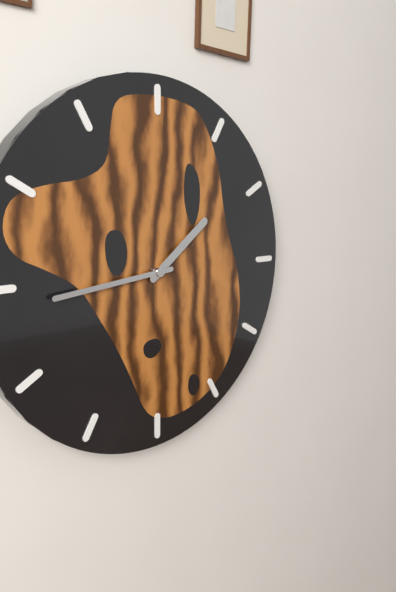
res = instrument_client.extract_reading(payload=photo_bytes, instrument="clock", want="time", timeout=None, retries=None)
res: 1:44
